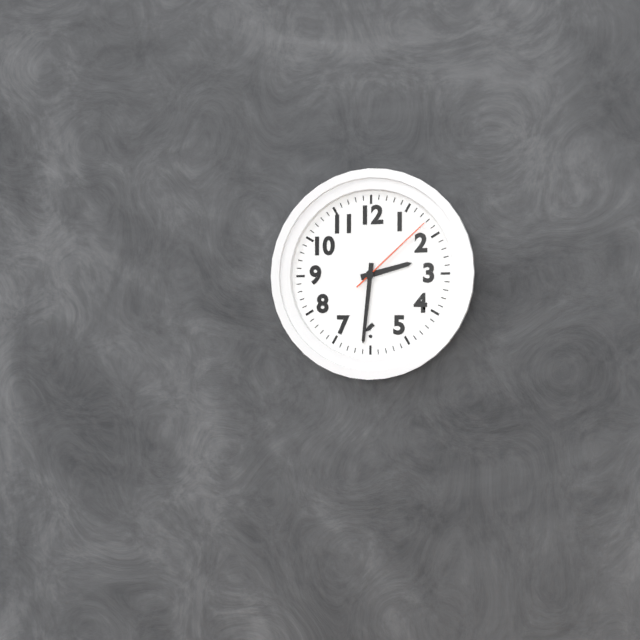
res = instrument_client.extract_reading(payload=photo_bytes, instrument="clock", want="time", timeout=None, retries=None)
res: 2:31:08
